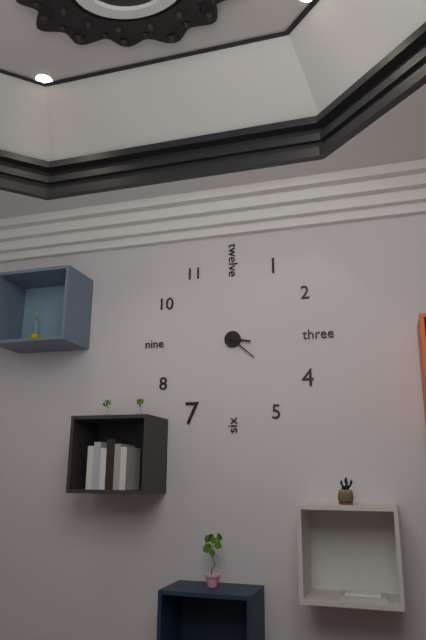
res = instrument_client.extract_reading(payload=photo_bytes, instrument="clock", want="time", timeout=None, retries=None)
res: 3:22
